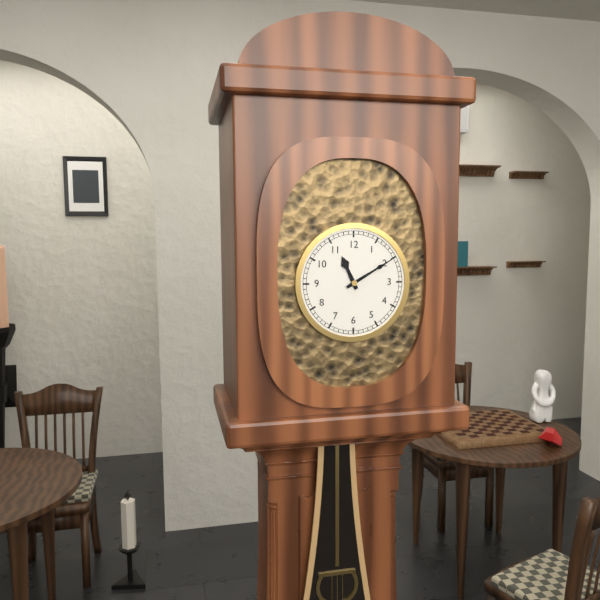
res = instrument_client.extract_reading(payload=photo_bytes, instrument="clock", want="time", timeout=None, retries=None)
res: 11:10
